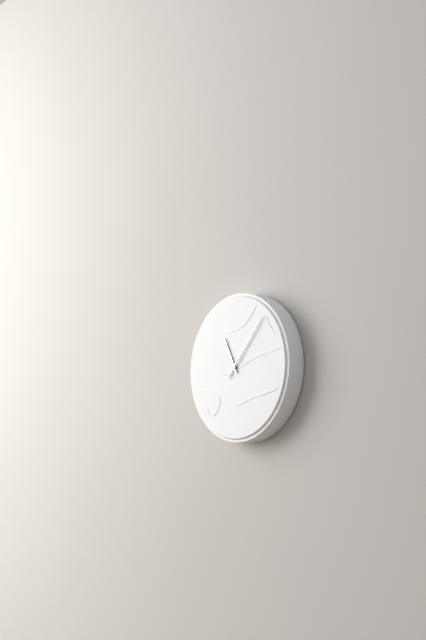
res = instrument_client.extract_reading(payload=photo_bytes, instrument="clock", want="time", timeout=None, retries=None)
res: 11:07
